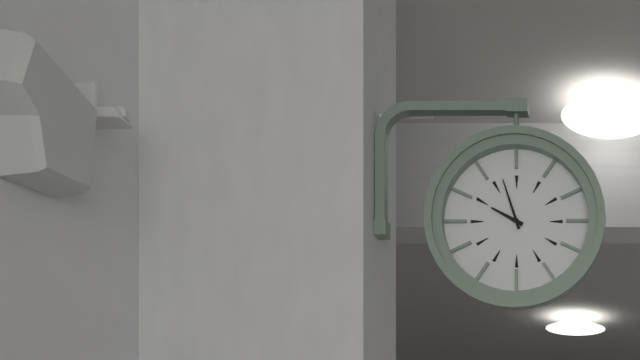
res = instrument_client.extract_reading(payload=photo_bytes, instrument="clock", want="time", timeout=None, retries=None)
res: 9:57
